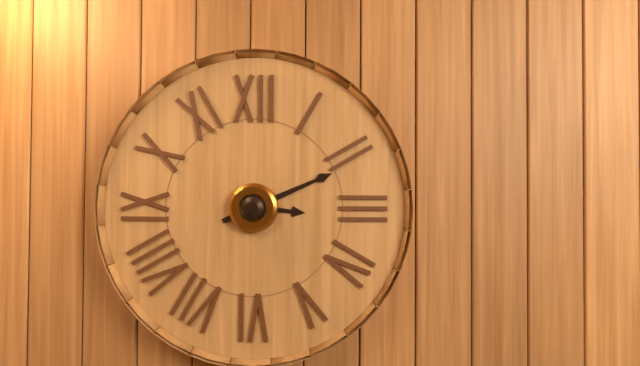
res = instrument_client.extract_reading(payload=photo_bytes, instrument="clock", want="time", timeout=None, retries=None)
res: 3:11
